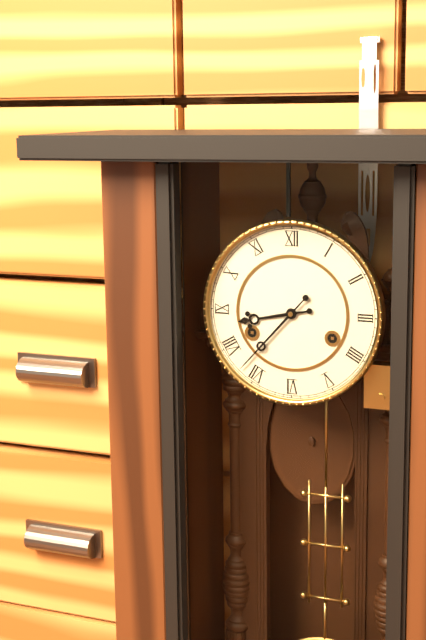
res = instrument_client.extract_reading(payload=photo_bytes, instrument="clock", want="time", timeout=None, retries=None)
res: 8:37
